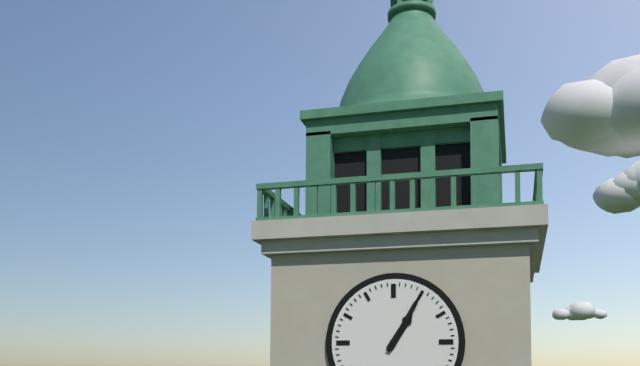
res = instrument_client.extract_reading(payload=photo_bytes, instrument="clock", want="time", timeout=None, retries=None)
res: 1:05
